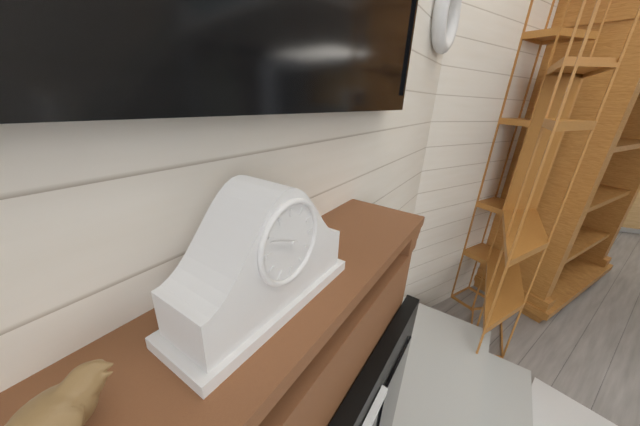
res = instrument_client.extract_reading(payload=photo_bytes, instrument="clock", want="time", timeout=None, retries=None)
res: 9:49
